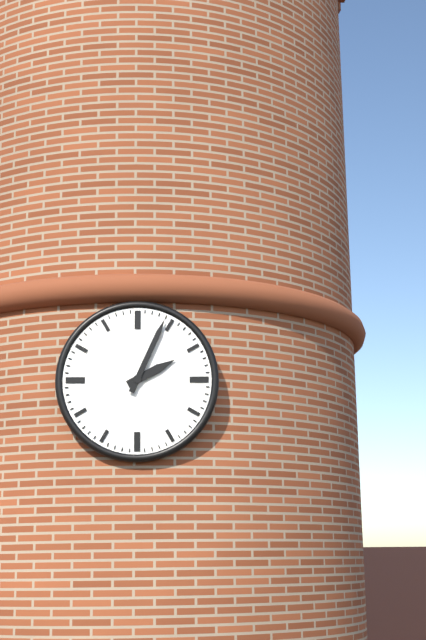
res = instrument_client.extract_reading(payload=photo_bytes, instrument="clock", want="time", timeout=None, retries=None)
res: 2:04
